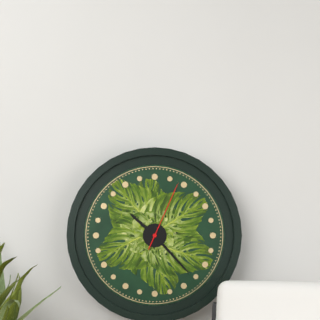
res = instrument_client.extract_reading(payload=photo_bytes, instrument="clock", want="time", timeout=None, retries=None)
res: 10:23:04
